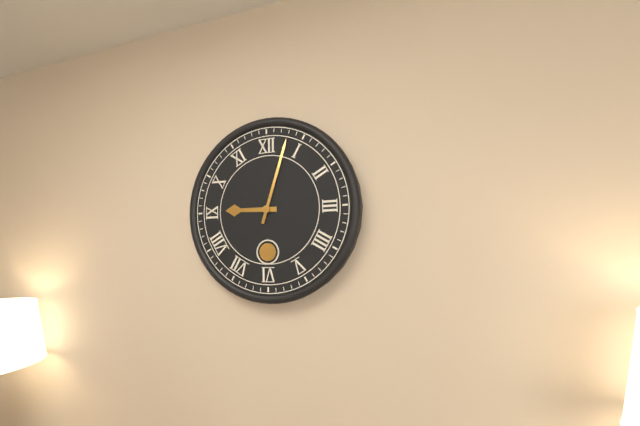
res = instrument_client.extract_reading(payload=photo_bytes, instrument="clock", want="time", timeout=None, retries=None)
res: 9:03
